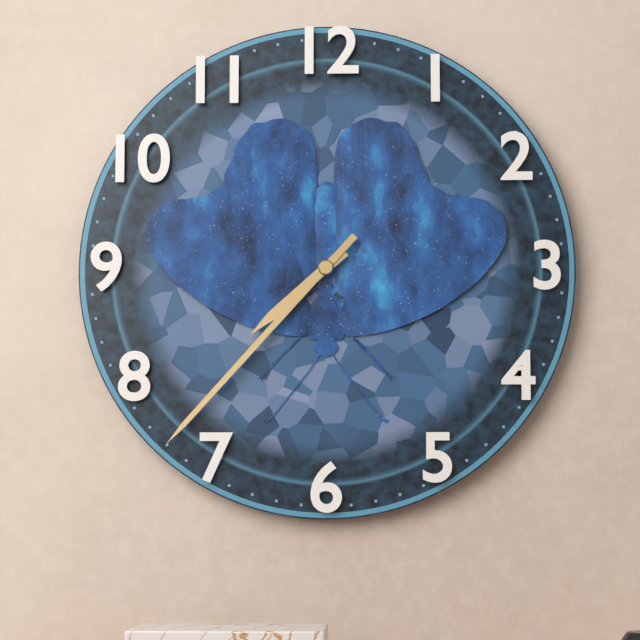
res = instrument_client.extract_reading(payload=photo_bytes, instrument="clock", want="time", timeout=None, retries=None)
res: 7:37
